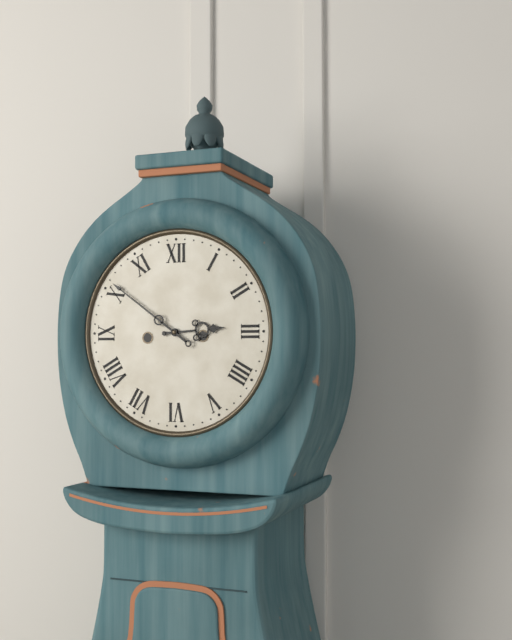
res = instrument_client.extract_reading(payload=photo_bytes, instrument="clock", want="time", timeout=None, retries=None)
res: 2:51
